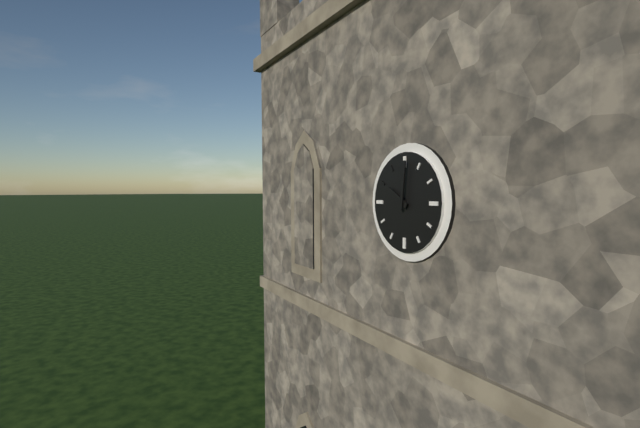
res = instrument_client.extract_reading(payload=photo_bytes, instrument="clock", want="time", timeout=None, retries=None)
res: 10:01
